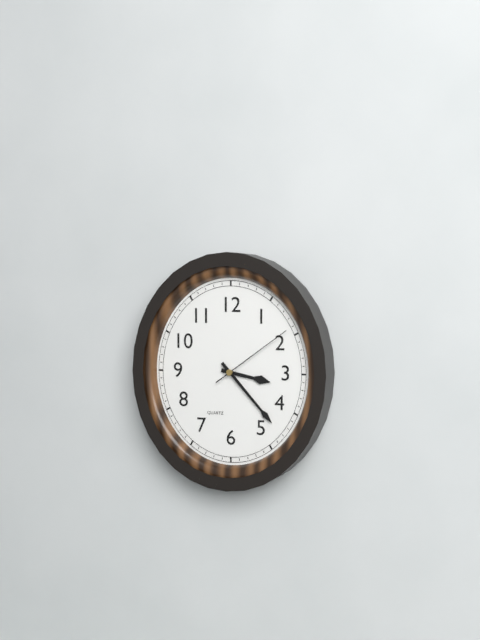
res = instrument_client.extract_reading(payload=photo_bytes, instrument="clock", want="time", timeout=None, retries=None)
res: 3:23:09
